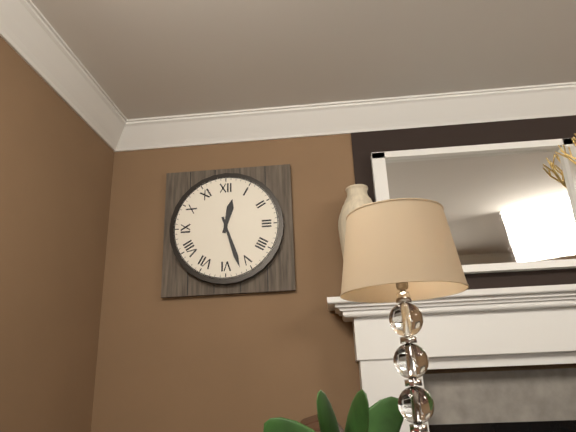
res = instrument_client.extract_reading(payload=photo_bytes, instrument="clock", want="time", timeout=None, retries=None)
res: 12:27
